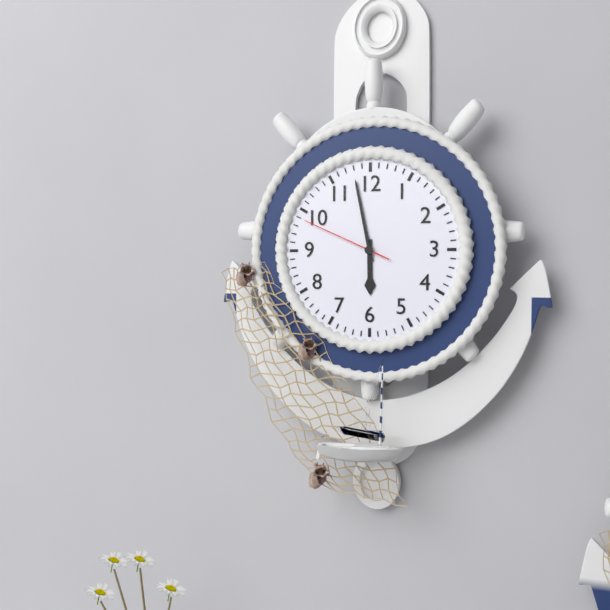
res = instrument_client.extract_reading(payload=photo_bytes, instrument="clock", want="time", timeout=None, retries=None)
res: 5:58:49
